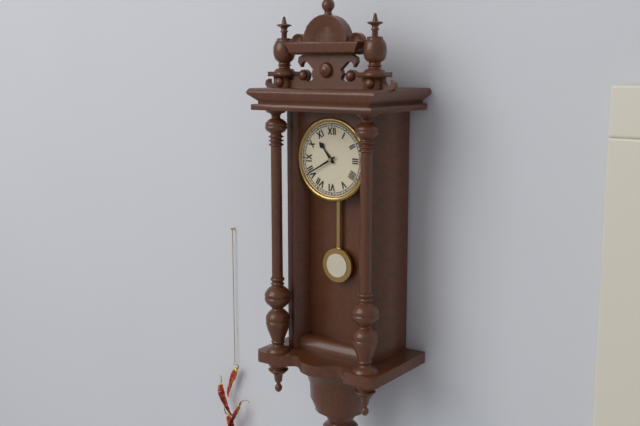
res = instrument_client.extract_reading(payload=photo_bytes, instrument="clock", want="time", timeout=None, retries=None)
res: 10:40
